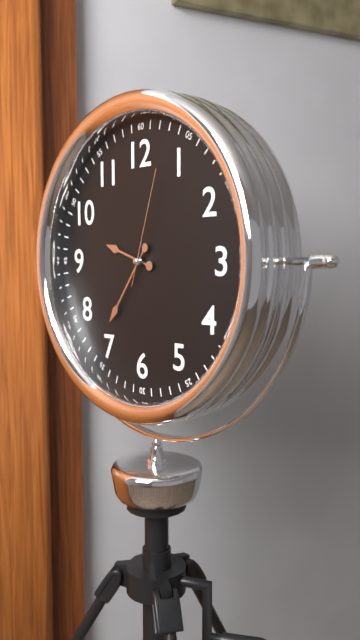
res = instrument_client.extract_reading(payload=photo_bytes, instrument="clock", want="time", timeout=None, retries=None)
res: 9:36:03
